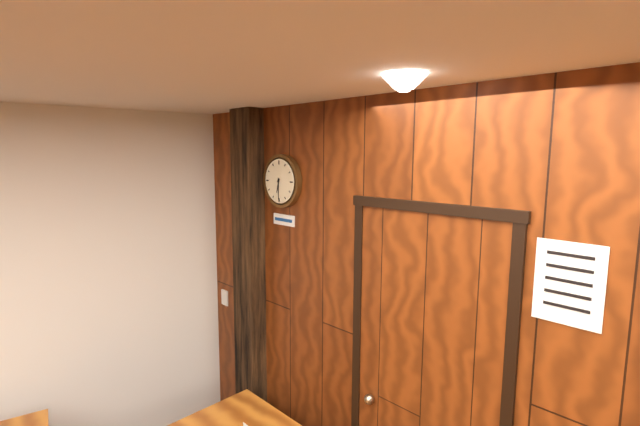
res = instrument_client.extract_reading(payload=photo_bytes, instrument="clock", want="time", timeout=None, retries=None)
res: 6:30
